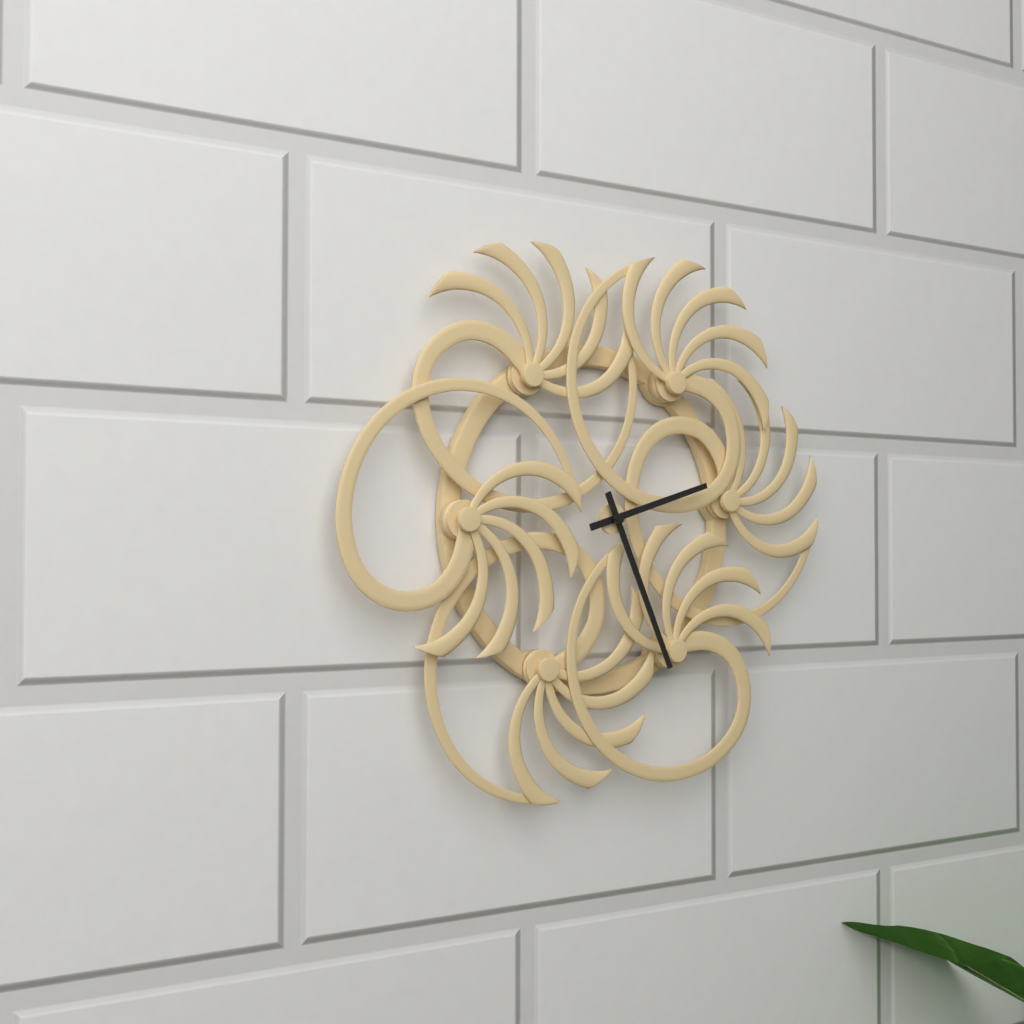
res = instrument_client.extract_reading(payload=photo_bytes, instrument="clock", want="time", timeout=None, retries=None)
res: 2:26
